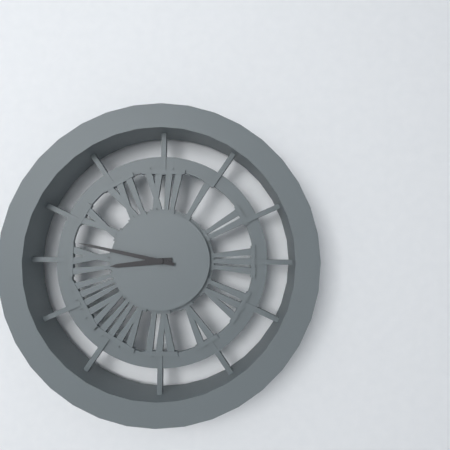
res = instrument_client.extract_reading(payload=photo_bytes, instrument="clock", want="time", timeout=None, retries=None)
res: 8:47
